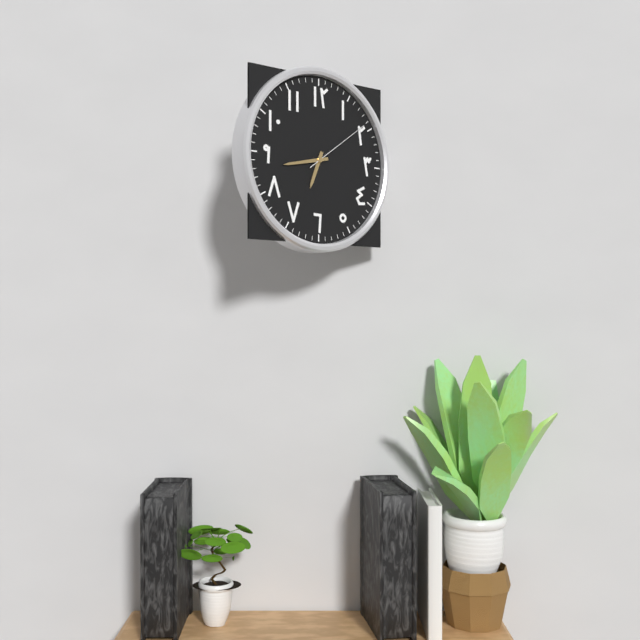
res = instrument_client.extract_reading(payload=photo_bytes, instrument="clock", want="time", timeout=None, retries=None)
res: 6:43:09
